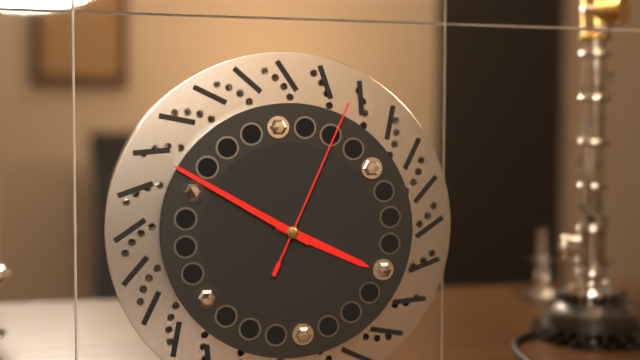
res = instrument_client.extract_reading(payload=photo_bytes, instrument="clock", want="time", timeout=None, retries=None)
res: 3:50:04
